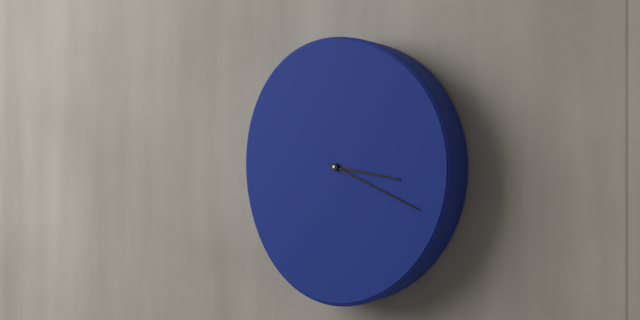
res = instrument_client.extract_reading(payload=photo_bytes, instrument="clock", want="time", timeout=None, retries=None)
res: 3:19
